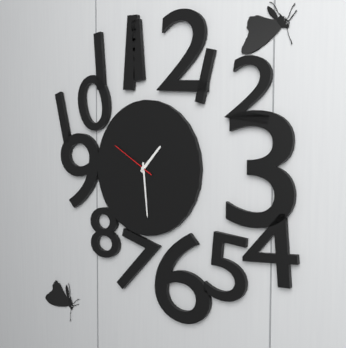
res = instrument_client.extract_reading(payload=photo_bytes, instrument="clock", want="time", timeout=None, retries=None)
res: 1:29
